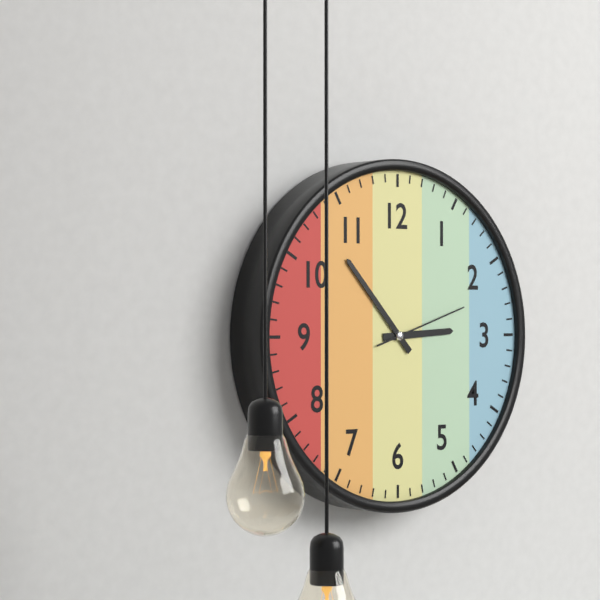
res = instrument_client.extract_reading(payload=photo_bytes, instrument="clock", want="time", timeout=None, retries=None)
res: 2:53:12
